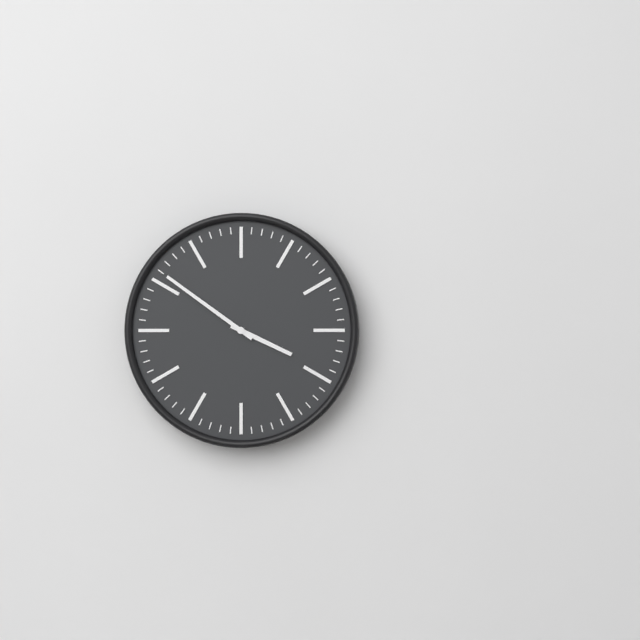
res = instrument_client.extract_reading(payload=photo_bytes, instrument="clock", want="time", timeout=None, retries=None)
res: 3:51
